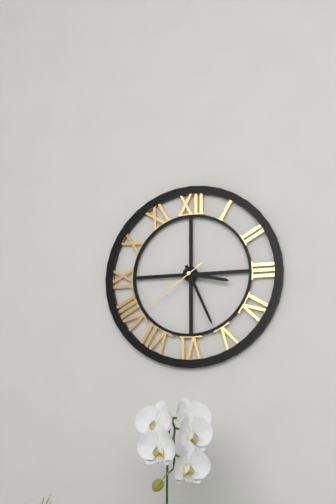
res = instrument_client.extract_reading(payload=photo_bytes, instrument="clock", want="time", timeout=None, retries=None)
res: 3:26:39
